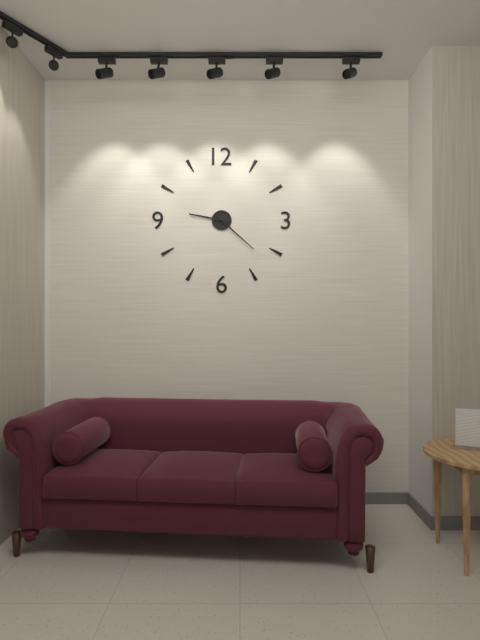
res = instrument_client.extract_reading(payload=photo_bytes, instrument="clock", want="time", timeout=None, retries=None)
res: 9:22
